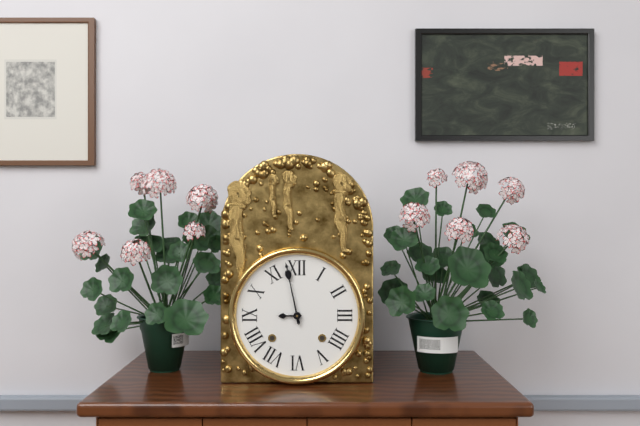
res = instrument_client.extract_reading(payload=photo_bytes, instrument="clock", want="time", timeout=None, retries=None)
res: 8:58
